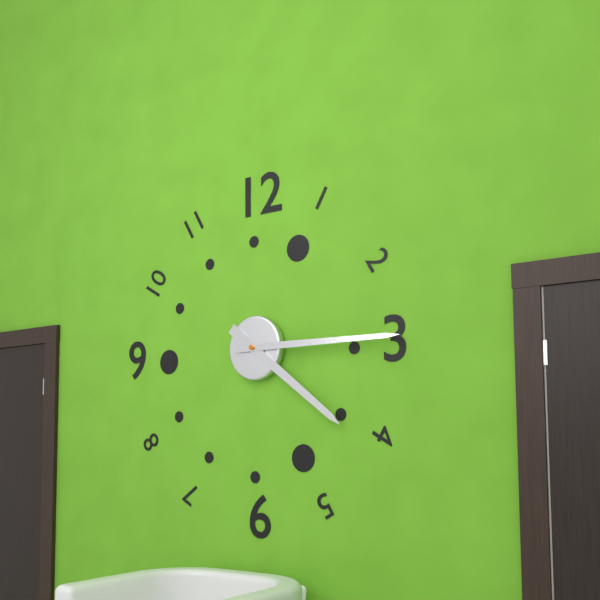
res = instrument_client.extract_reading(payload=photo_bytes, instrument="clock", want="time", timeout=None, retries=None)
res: 4:15
